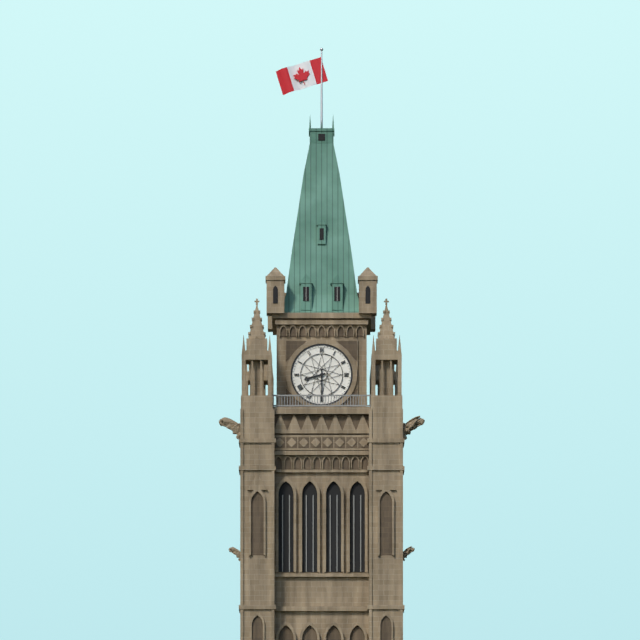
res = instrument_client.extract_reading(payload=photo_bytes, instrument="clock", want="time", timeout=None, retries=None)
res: 8:30
